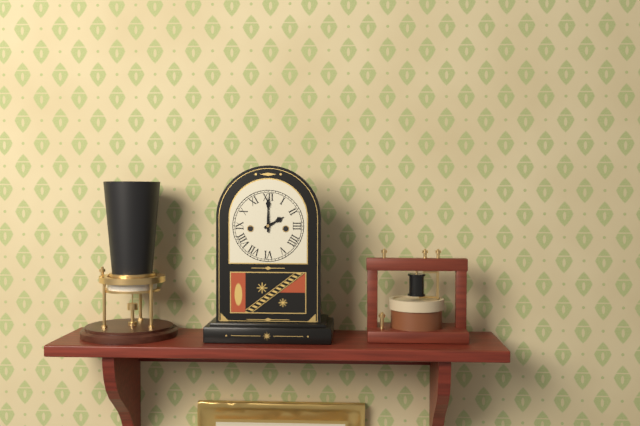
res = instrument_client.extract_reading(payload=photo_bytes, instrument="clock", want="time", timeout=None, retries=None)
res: 2:00
